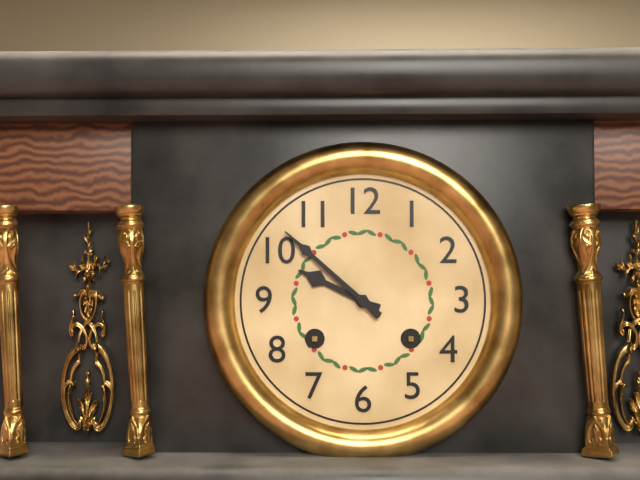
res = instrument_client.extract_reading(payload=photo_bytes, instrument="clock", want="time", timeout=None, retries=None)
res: 9:52
